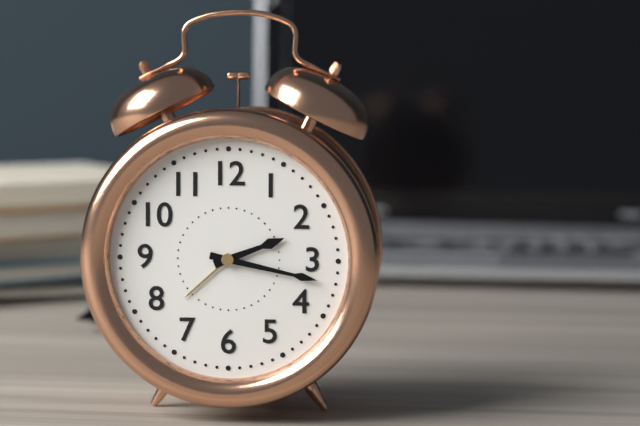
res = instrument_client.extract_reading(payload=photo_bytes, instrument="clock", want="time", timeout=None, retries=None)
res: 2:17
